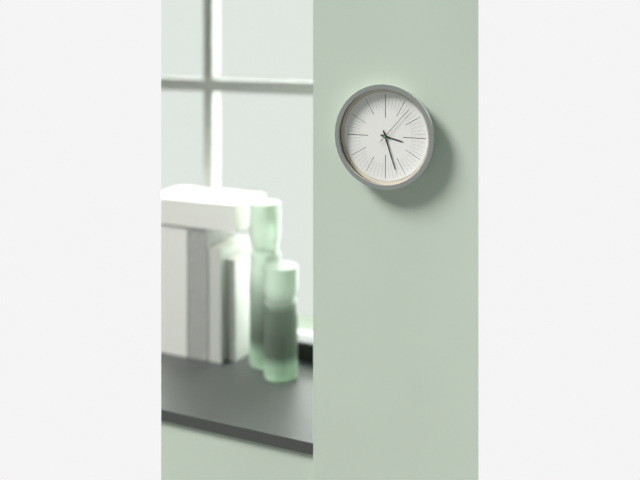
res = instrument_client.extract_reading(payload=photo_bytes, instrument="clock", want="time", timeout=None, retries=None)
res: 3:27
